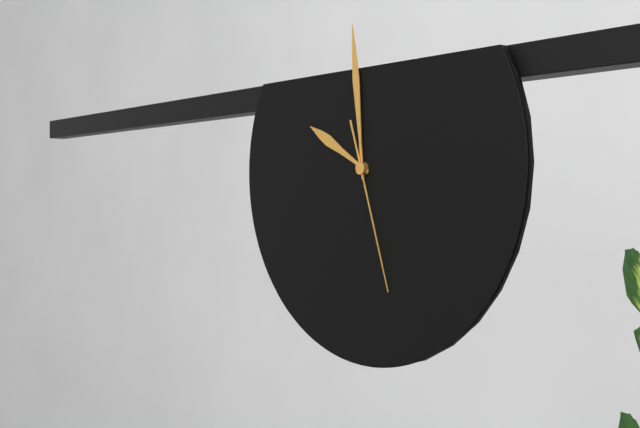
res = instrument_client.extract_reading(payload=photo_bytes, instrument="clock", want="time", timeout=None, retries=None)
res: 9:59:27
